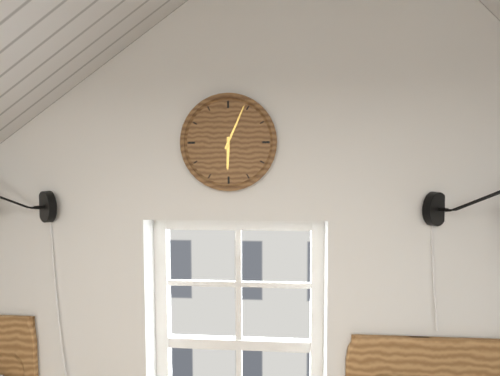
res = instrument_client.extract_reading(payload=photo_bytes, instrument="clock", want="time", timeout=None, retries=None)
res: 6:04
